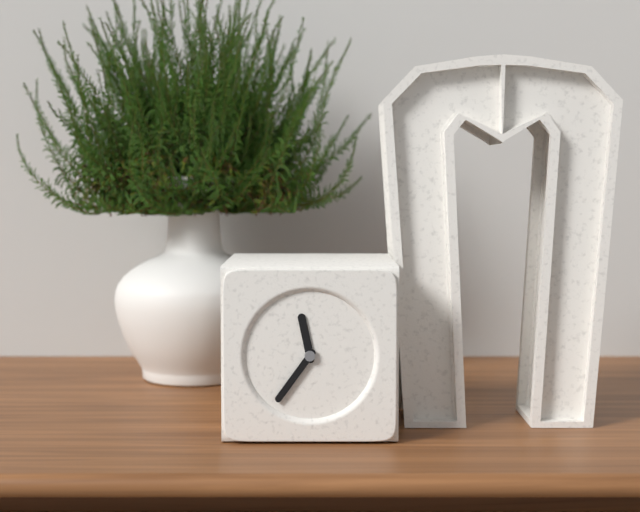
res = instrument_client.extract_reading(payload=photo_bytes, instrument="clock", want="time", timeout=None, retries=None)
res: 11:36
